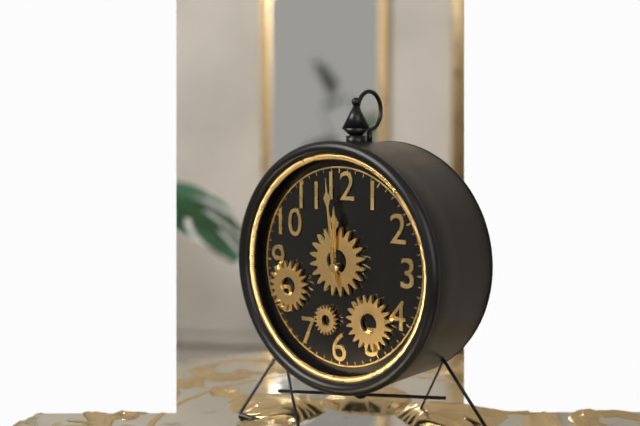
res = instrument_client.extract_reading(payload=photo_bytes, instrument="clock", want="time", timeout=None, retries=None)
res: 11:59
